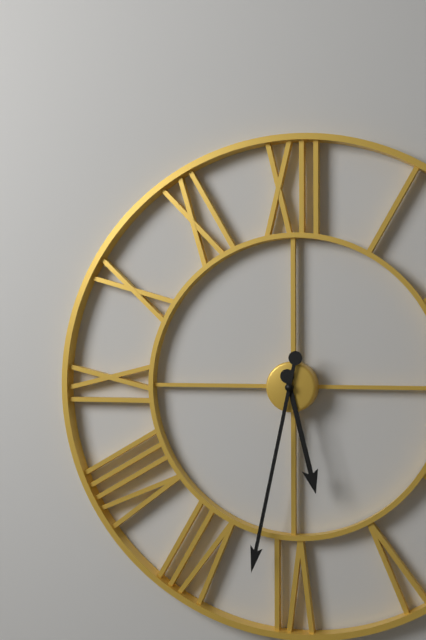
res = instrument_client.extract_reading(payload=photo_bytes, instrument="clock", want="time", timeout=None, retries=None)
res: 5:32
